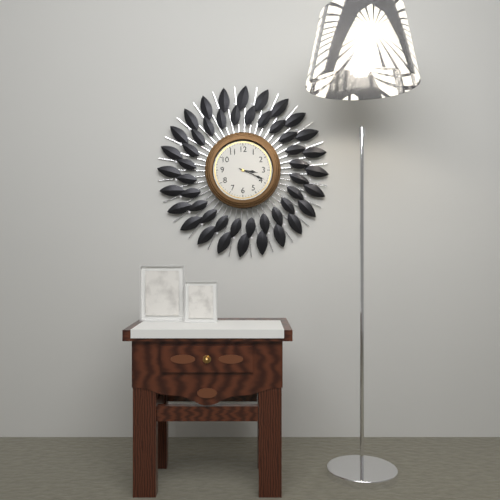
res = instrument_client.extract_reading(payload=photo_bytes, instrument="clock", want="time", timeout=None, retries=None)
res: 3:19
